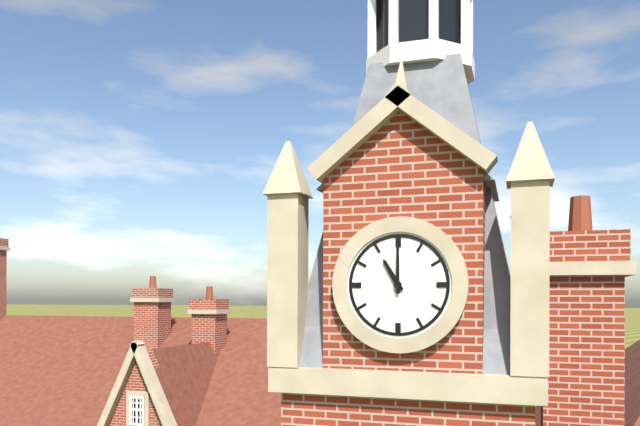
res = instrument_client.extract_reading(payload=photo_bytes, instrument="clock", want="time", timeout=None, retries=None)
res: 11:00
